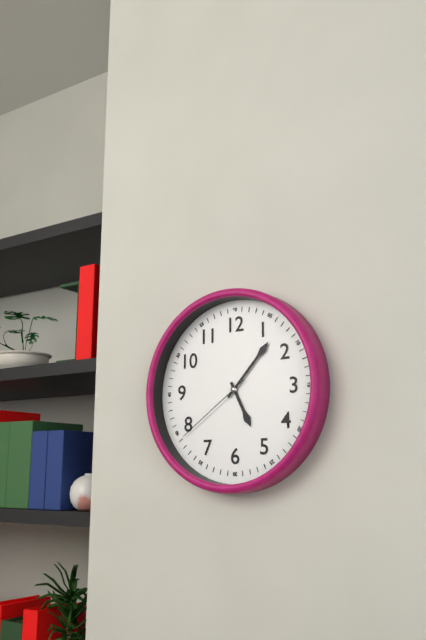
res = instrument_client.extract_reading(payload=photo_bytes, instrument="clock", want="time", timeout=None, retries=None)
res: 5:07:39
